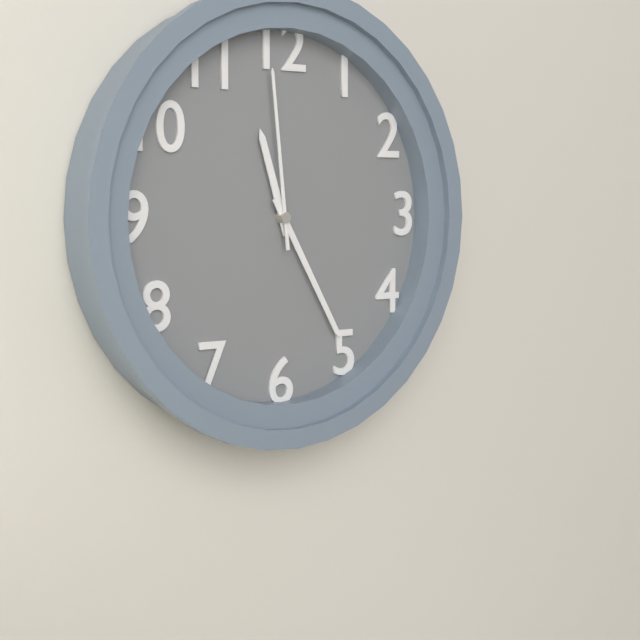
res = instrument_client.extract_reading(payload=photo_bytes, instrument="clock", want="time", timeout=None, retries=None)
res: 11:25:59
